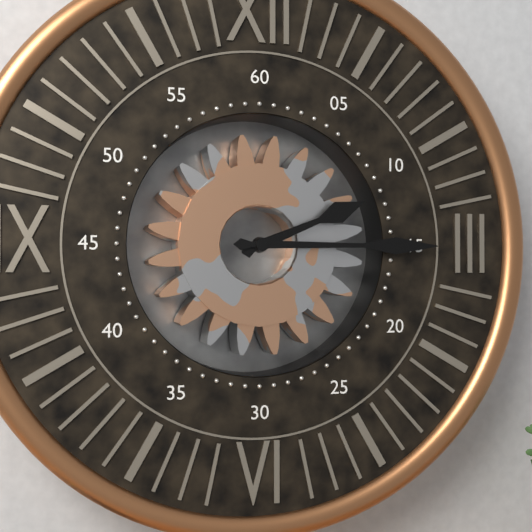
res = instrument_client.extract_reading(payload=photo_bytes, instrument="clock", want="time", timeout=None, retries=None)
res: 2:15
